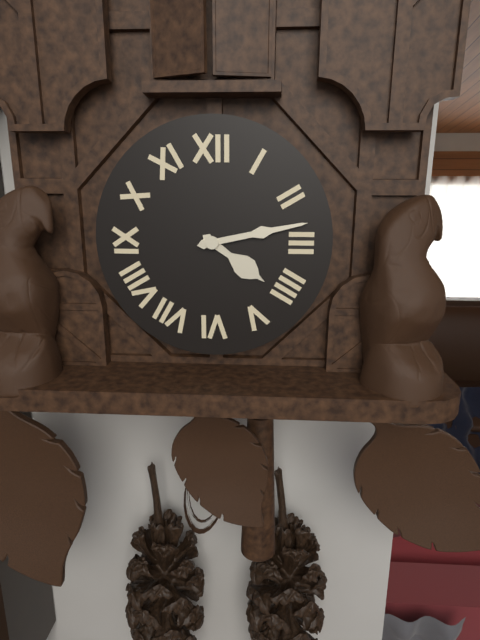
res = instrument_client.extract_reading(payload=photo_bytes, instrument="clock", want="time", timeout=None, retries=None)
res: 4:13
